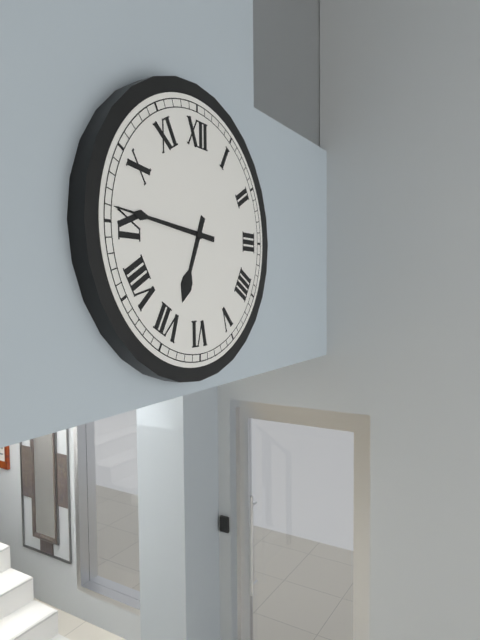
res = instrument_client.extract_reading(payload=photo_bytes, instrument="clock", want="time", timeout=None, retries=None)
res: 6:46
